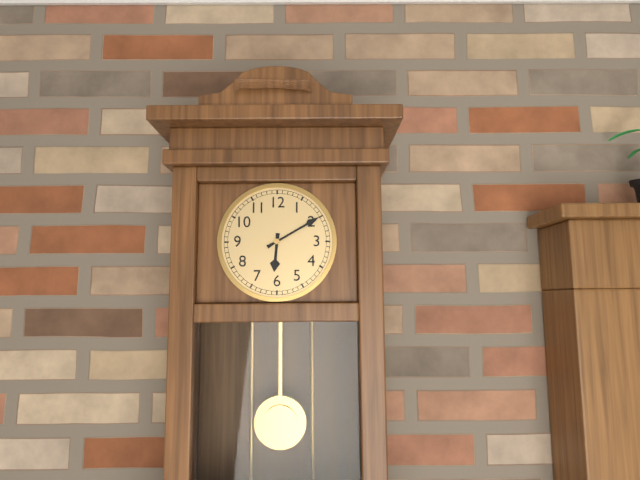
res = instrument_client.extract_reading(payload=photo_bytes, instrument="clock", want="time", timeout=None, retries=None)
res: 6:10
